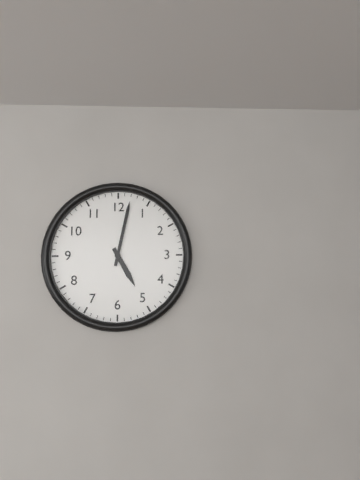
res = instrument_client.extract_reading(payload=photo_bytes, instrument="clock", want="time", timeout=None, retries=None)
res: 5:02
